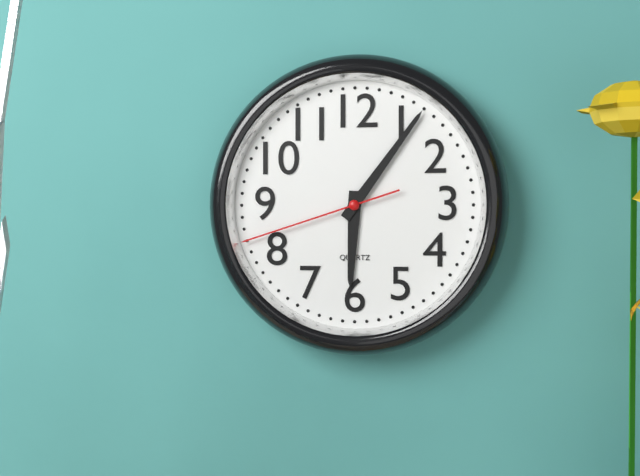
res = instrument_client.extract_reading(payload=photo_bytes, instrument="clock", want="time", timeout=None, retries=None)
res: 6:06:42
